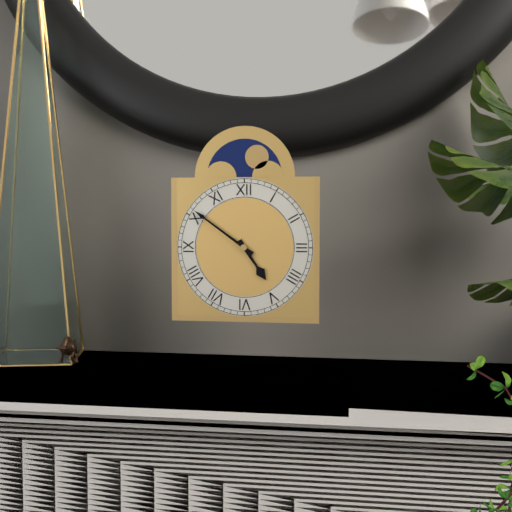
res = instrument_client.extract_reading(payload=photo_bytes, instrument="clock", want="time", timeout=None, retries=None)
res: 4:51
